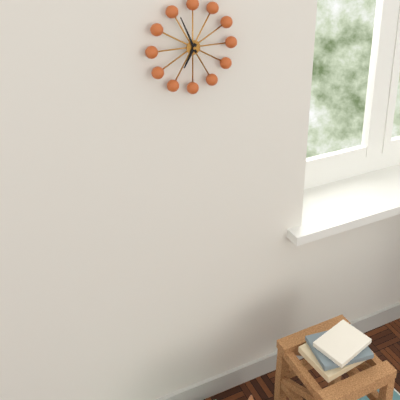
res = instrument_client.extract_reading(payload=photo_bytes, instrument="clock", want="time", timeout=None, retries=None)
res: 6:56
